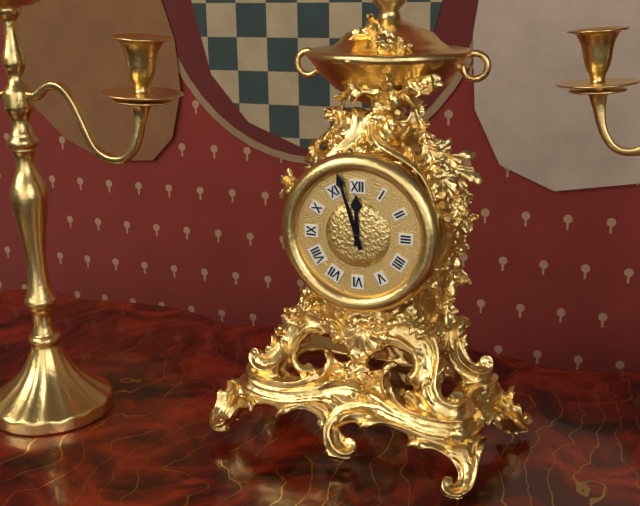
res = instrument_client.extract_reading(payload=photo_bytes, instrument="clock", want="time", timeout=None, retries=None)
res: 11:57
